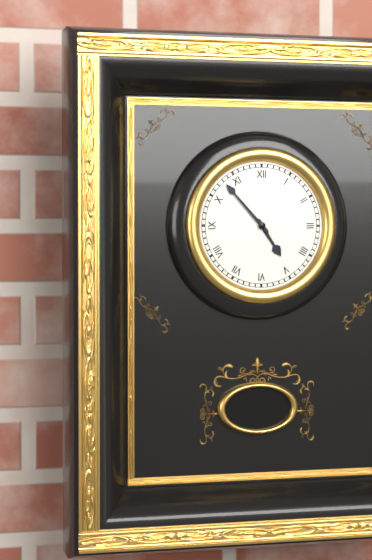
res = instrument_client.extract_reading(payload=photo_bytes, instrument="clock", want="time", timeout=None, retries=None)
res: 4:53
